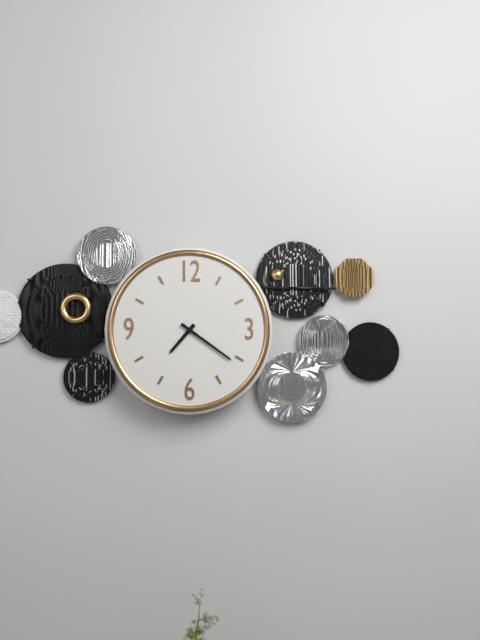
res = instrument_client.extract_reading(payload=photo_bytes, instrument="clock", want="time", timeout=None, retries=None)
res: 7:21
